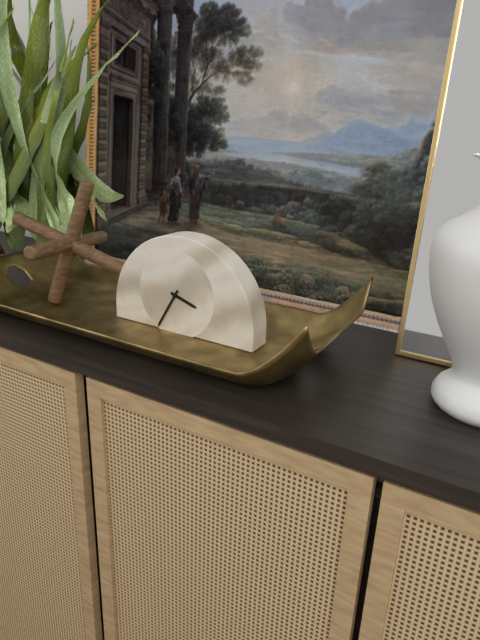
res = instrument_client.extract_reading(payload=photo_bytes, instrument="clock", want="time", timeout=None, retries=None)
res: 3:35
